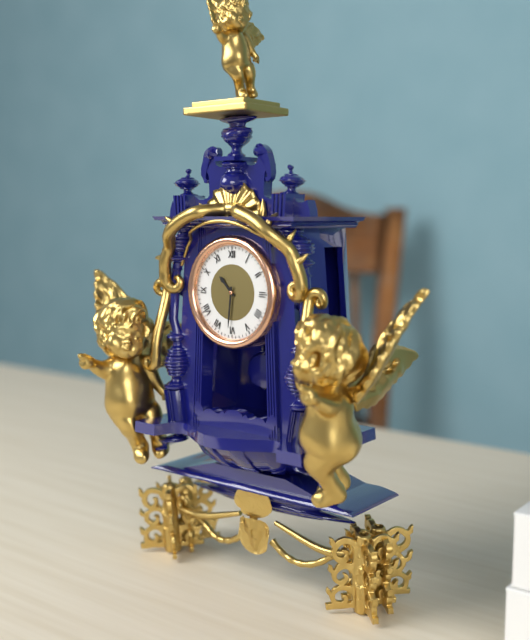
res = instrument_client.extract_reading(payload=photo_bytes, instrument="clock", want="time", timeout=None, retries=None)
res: 10:31
